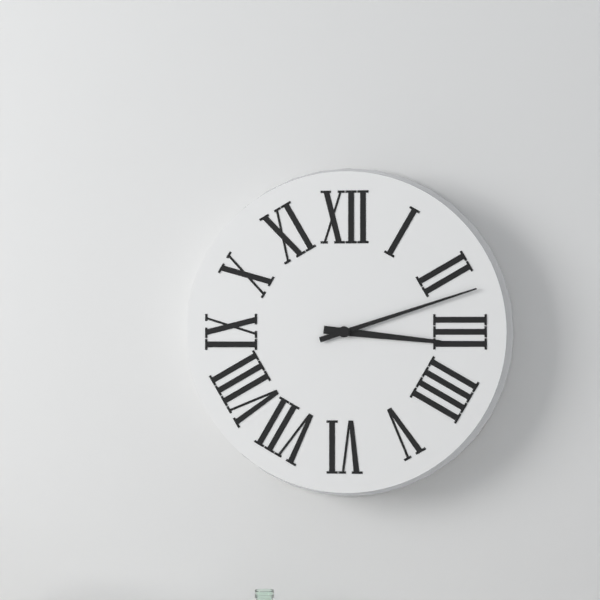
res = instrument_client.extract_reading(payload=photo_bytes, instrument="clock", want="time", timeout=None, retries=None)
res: 3:12
